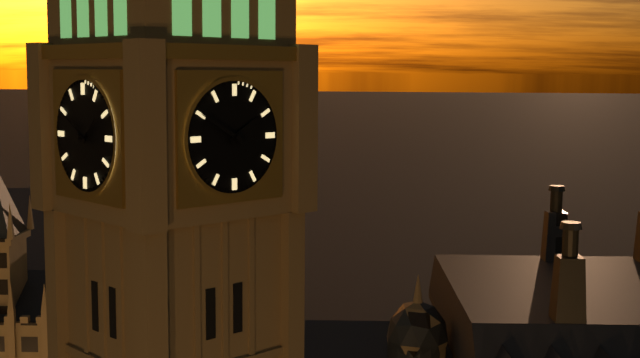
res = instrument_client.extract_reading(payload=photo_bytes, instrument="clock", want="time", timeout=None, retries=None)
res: 1:50
